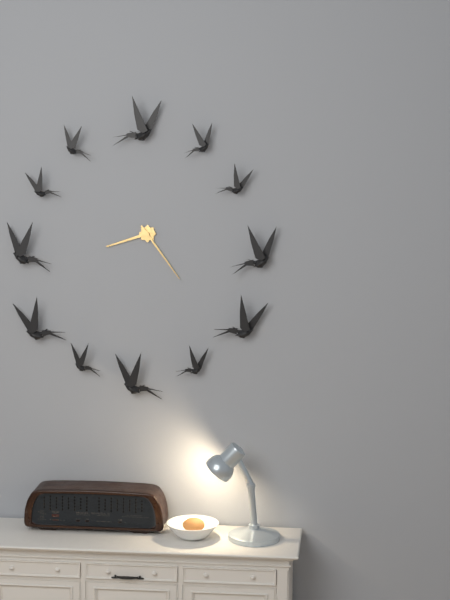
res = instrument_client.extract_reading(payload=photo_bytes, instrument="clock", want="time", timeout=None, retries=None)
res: 8:24
